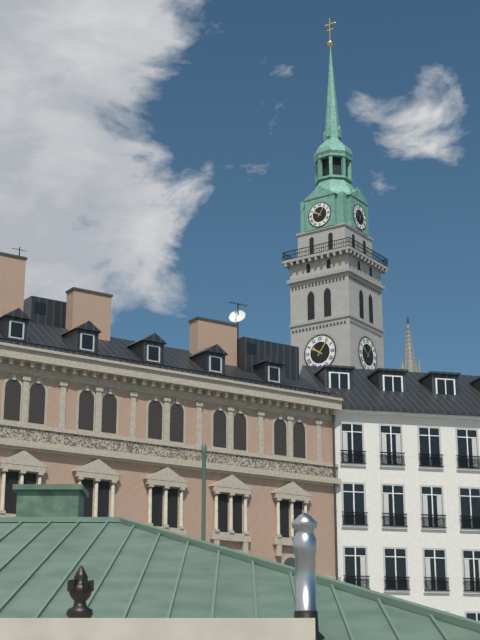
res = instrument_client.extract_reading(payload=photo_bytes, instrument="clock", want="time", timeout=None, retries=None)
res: 10:06
